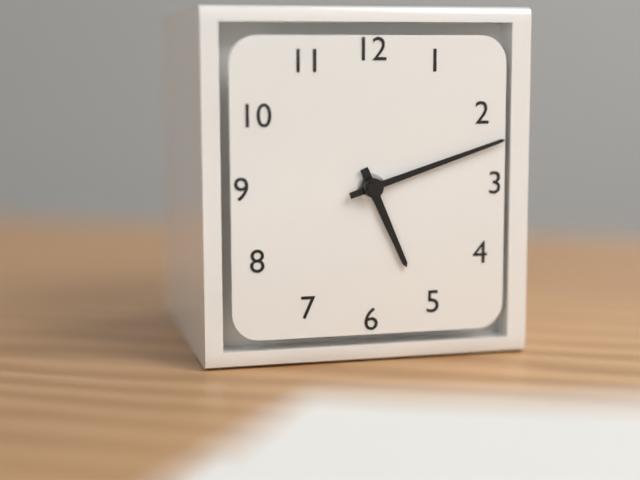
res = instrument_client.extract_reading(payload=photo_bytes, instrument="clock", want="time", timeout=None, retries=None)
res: 5:12
